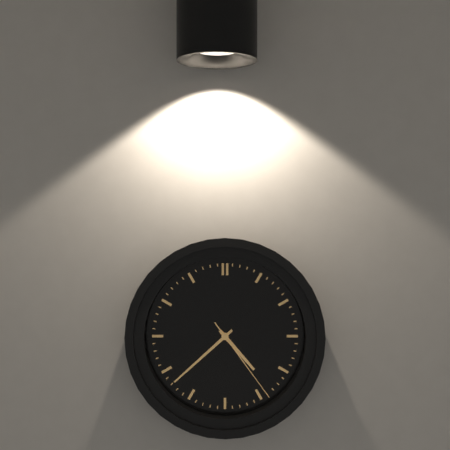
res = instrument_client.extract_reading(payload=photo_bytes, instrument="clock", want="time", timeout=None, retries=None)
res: 4:38:24
